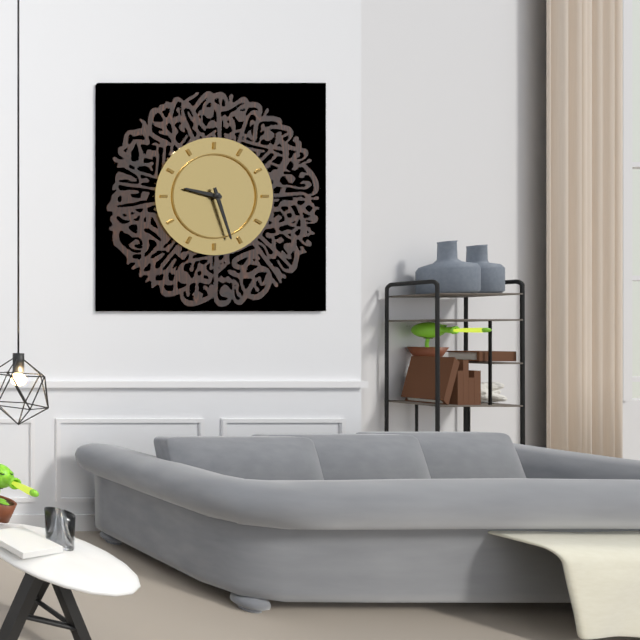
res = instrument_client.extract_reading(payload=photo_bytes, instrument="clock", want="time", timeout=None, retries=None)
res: 9:27
